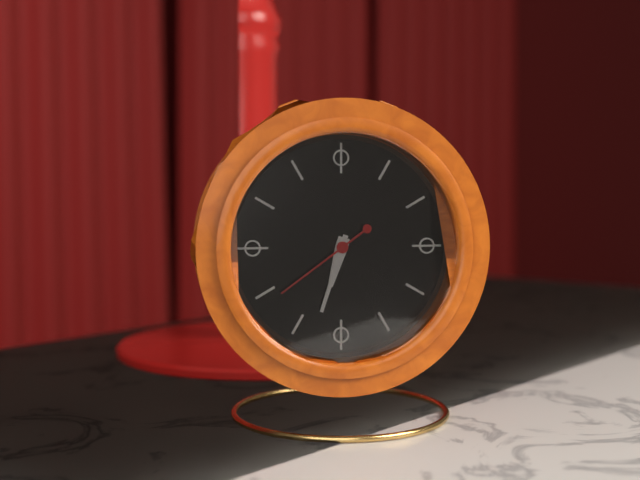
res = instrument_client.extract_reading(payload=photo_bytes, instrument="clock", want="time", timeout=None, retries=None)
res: 6:33:39
